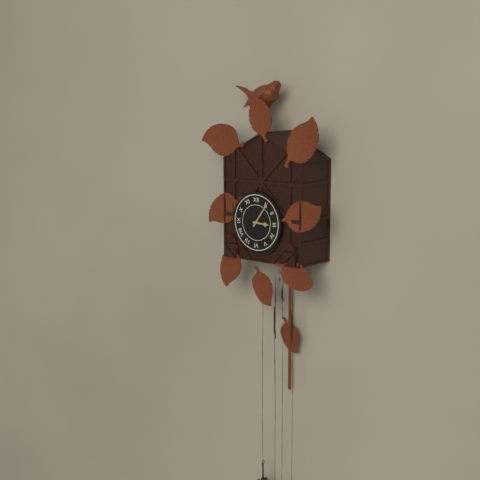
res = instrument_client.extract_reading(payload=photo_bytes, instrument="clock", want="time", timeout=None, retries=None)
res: 3:06
